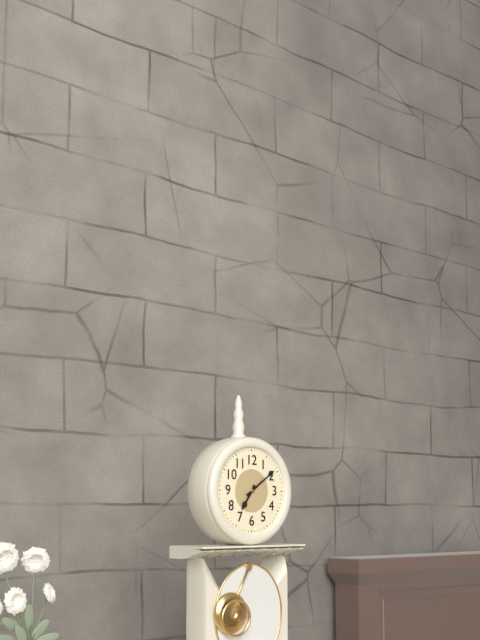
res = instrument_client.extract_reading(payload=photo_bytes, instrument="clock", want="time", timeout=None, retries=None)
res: 7:09
